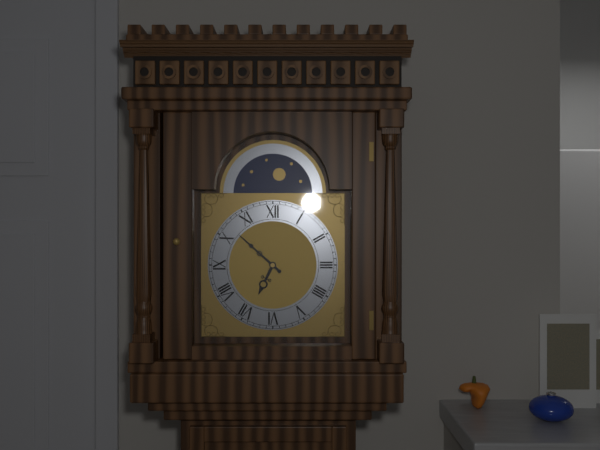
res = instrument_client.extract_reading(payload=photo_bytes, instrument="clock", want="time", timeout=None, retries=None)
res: 6:52
